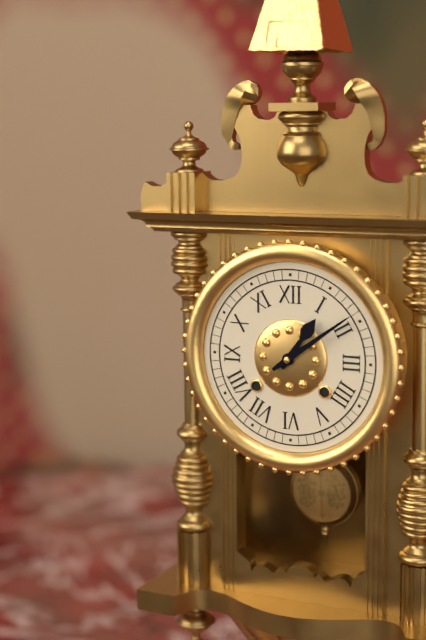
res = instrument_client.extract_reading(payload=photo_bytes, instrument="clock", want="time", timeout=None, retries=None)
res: 1:09
